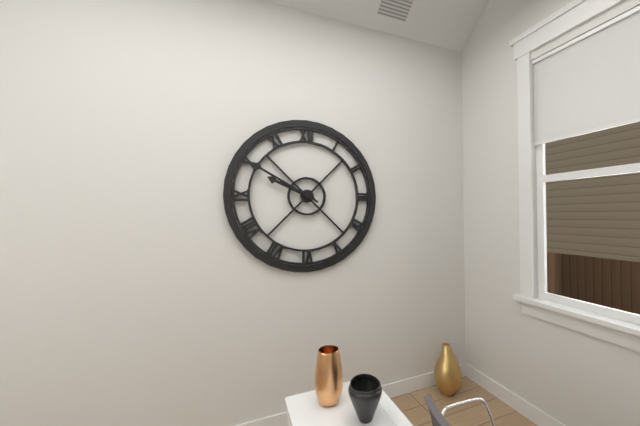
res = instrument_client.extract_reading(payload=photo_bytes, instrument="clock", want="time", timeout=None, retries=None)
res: 9:50
